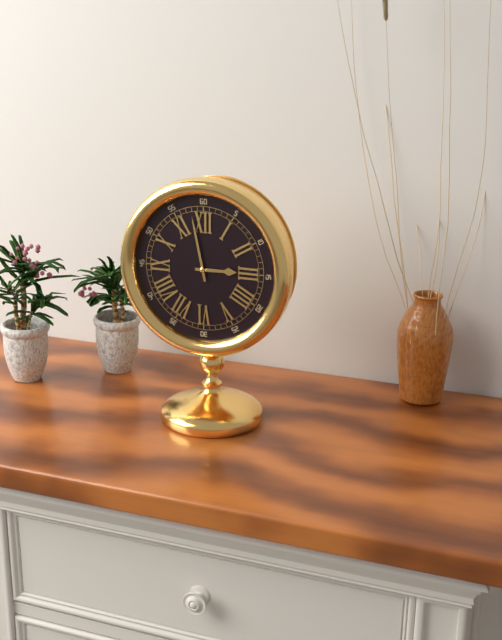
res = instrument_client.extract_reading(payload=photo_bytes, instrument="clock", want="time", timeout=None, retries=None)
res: 2:58
